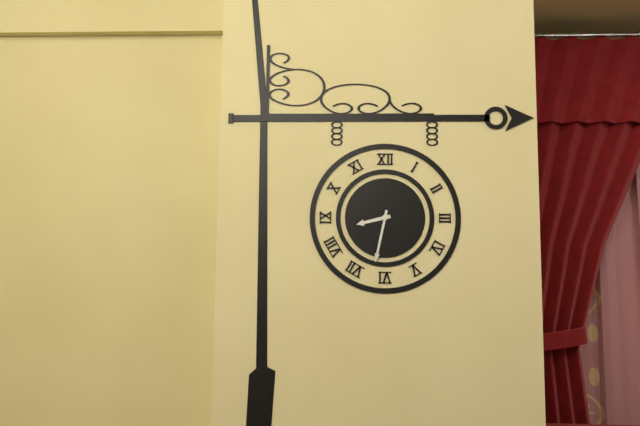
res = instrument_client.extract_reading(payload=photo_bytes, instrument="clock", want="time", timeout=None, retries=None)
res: 8:32
